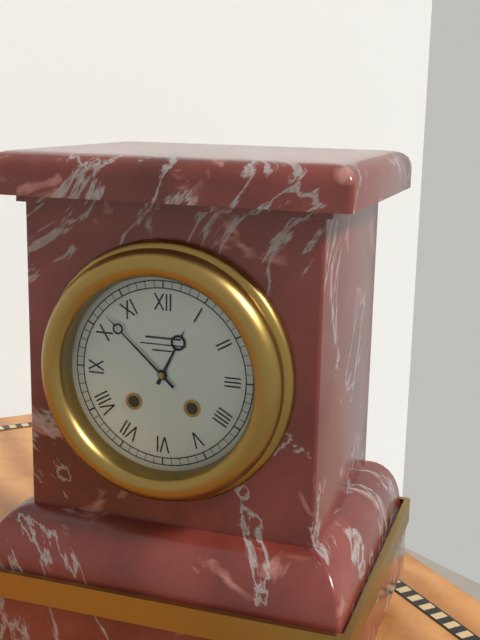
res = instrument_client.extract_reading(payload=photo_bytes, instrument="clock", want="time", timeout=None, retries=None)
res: 12:52
